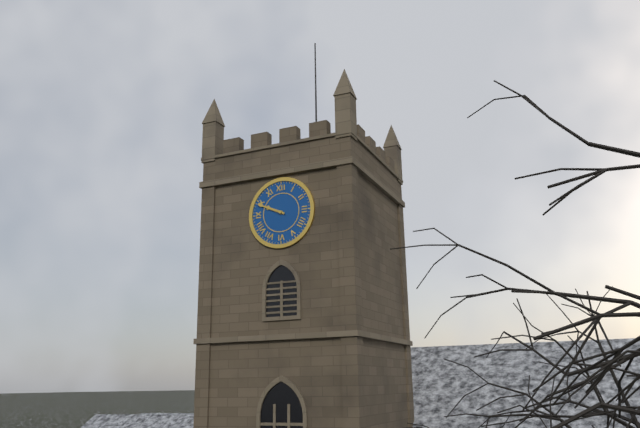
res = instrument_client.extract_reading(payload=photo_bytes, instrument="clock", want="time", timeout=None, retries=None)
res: 9:49
